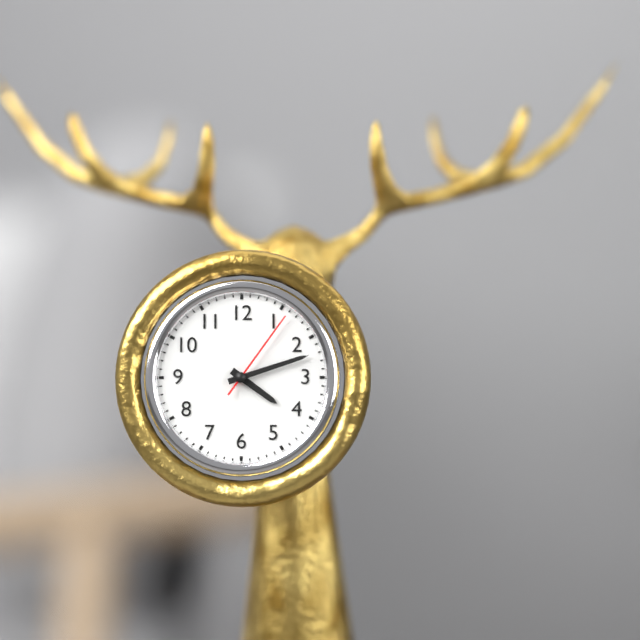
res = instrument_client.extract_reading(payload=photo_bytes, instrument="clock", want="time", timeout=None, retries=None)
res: 4:12:06
